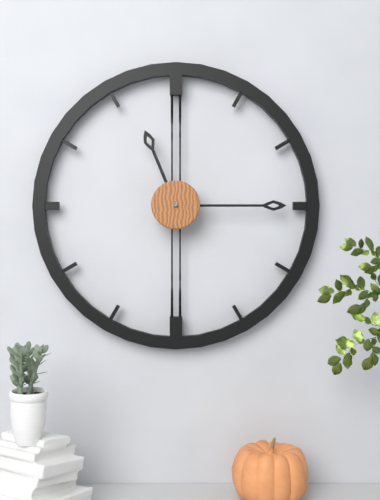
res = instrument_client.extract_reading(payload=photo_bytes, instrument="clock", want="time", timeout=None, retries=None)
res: 11:15
